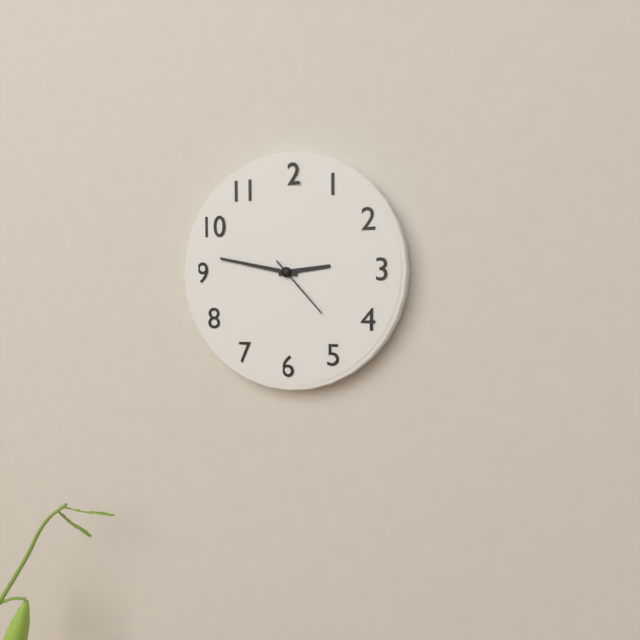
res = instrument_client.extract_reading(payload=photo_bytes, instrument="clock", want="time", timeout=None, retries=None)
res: 2:47:23
